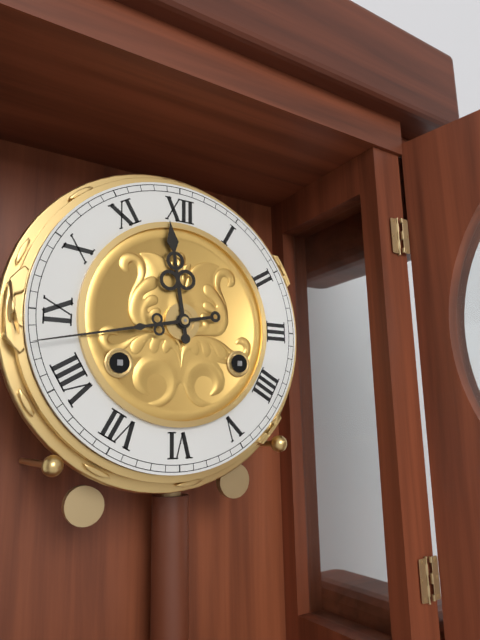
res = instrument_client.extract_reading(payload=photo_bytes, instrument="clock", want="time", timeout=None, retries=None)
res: 11:43
